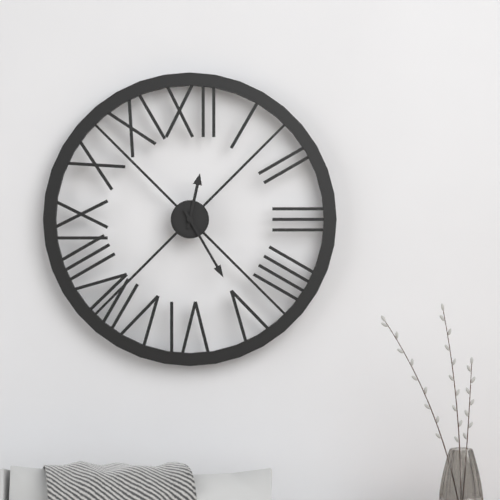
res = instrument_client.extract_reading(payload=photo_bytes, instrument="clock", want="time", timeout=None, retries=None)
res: 12:25
